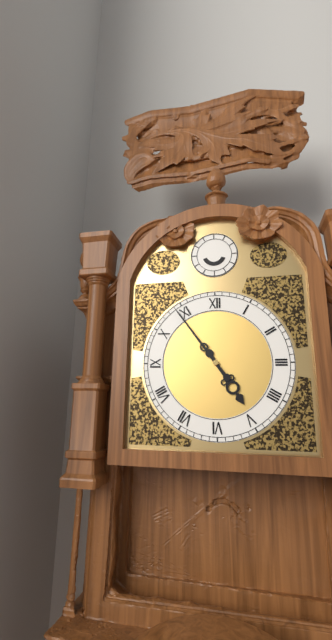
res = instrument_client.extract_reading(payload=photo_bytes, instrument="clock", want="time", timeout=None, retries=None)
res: 4:54
